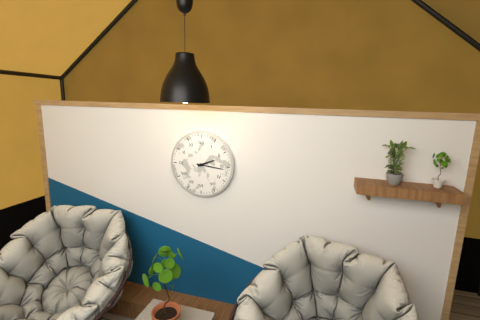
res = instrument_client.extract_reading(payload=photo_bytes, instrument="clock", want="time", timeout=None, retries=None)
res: 2:16
